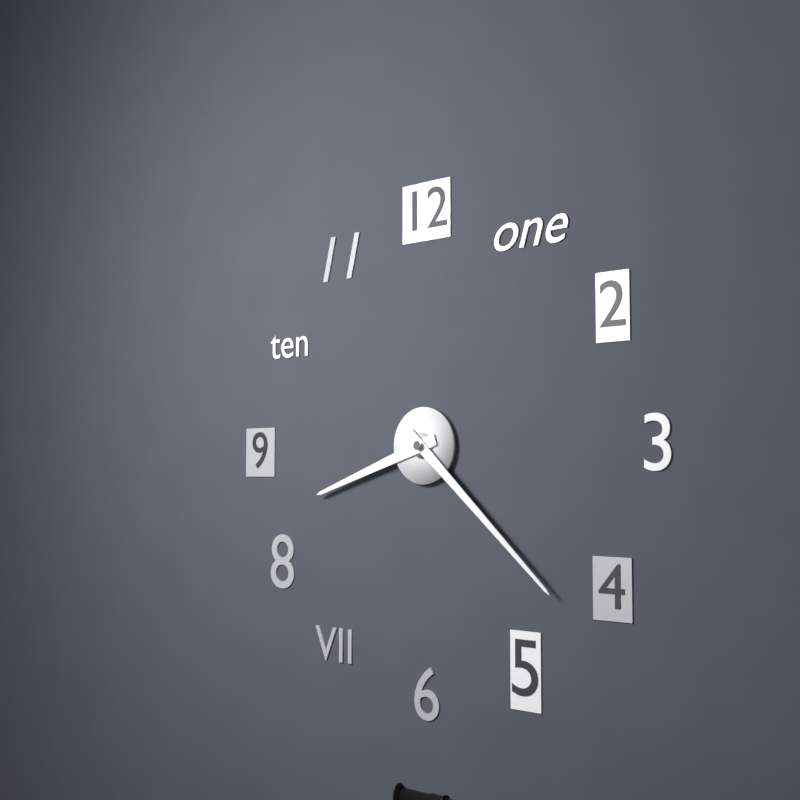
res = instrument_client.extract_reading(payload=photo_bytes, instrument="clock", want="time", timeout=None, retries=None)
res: 8:22
